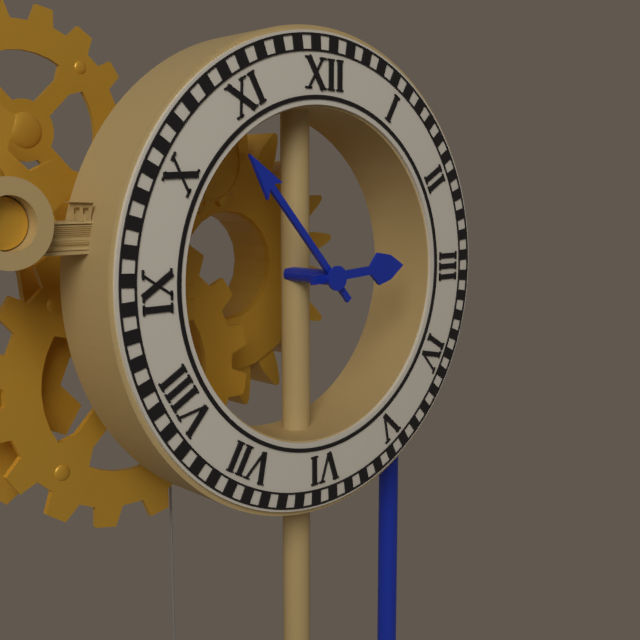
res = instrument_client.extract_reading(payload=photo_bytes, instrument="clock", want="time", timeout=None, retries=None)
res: 2:53
